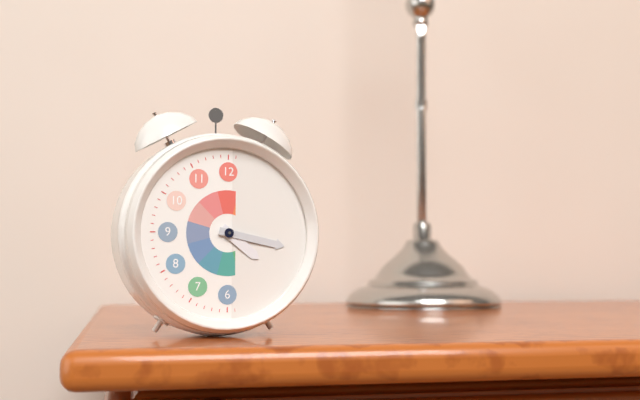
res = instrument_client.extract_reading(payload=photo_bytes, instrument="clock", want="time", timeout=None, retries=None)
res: 4:17
